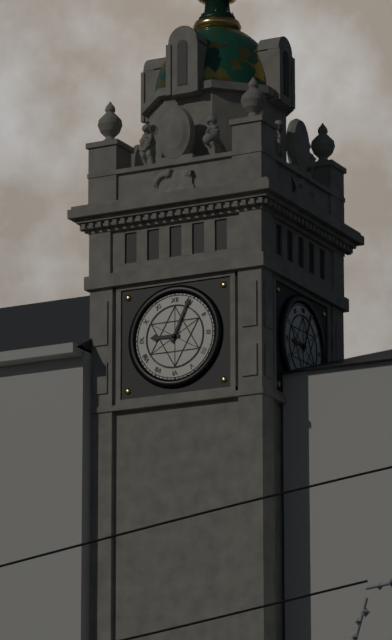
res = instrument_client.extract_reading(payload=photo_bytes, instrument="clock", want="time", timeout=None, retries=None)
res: 9:04
